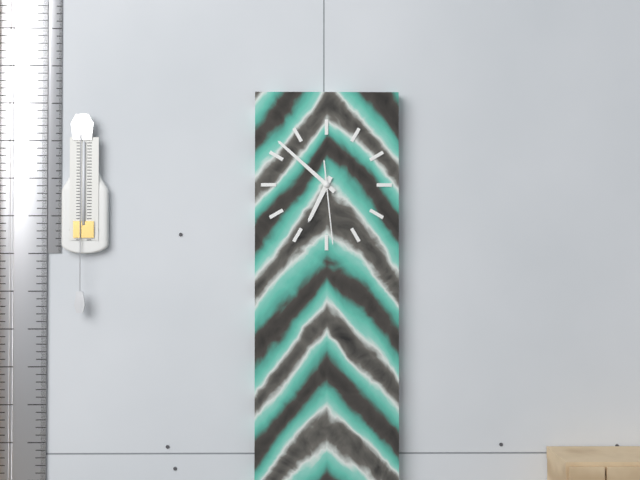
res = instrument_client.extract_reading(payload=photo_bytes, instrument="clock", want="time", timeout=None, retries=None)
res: 6:52:29
